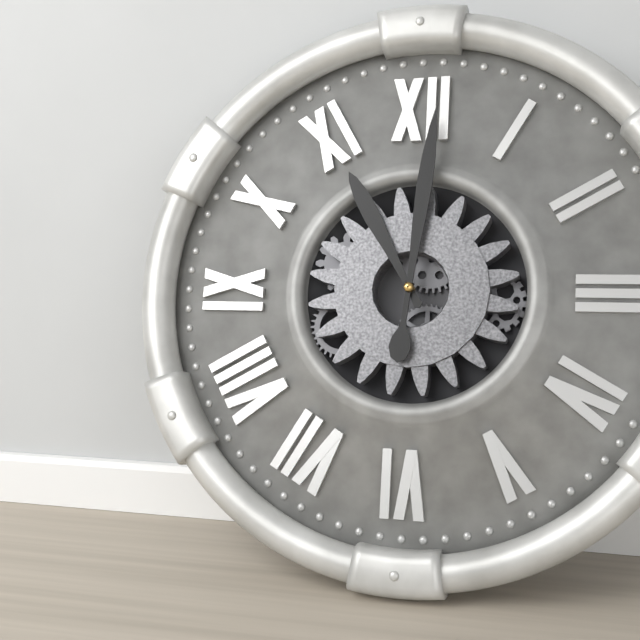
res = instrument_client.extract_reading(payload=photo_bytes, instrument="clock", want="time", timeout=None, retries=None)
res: 11:01
